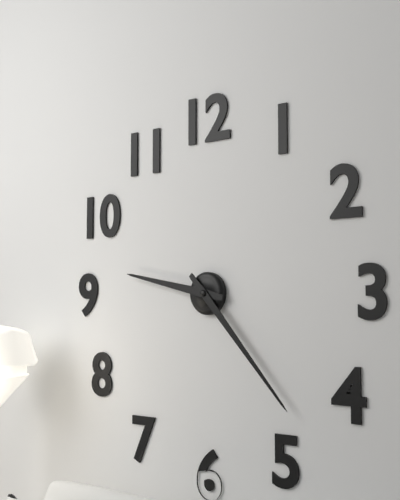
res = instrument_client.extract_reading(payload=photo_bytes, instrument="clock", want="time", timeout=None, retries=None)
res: 9:23
